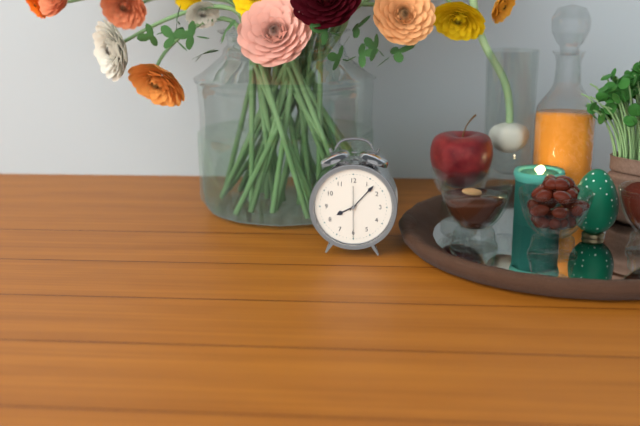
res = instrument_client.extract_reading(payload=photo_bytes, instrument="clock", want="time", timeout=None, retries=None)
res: 8:07
